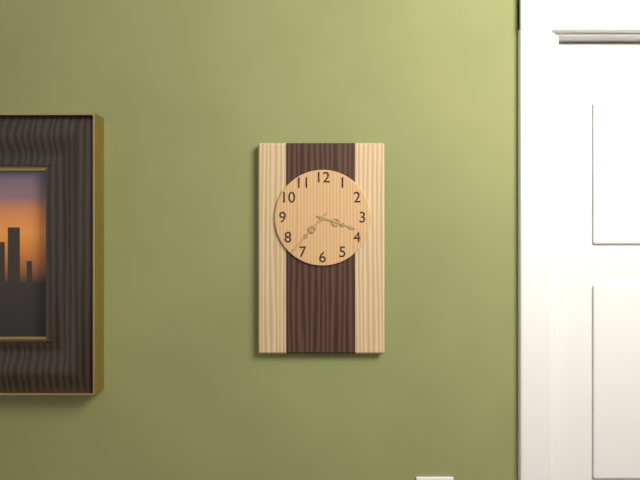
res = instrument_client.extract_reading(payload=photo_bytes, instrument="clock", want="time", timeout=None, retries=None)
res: 3:37
